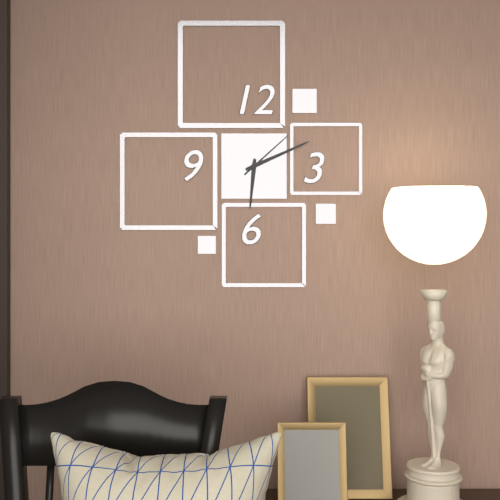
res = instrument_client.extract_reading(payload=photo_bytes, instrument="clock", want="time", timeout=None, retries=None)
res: 6:11:08
